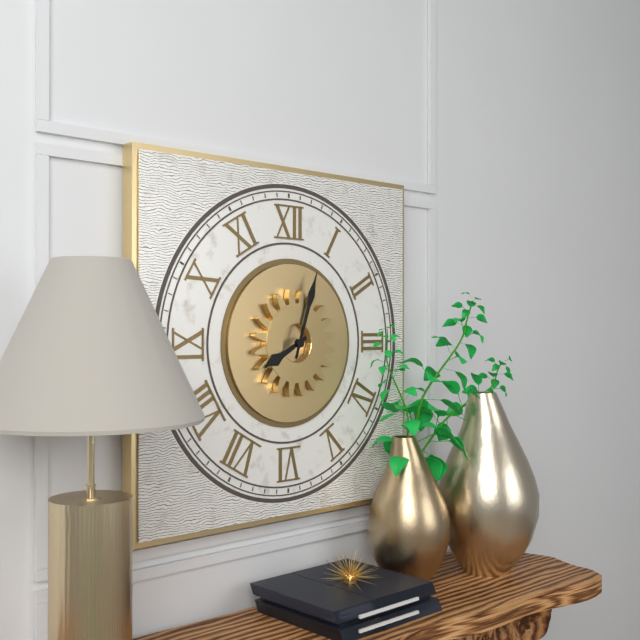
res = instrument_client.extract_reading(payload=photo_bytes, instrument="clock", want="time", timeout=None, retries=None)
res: 8:03
